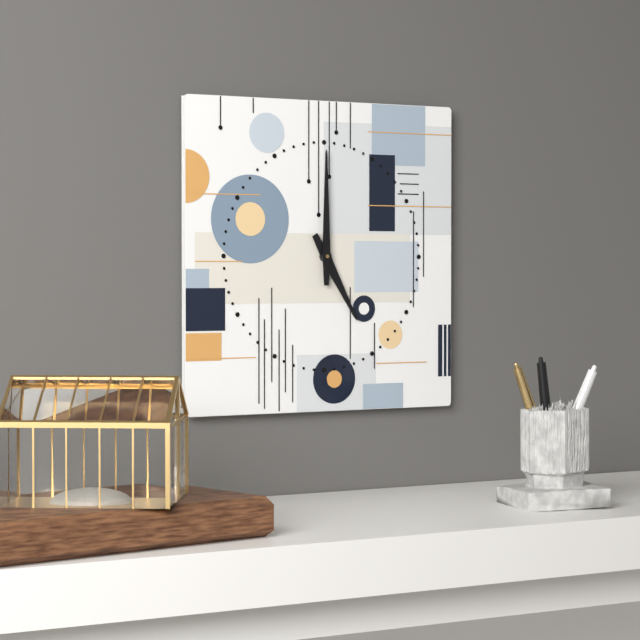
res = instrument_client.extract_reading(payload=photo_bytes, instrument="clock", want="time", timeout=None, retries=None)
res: 5:00
